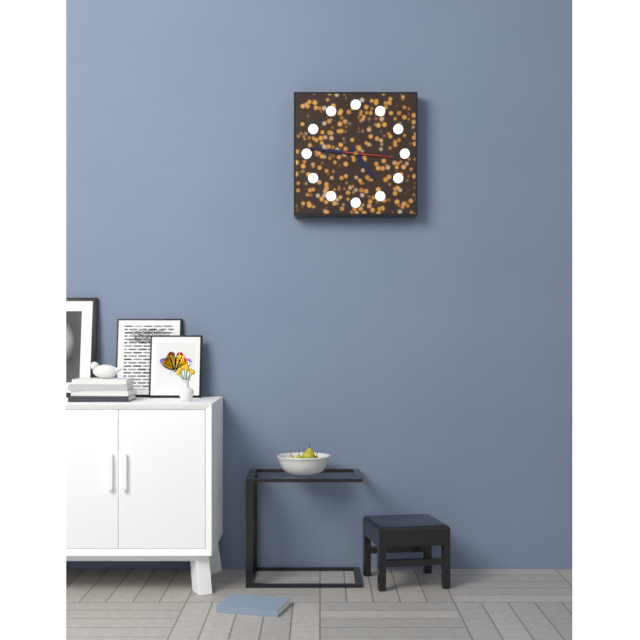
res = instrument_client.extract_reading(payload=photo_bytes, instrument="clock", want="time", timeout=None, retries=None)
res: 4:46
